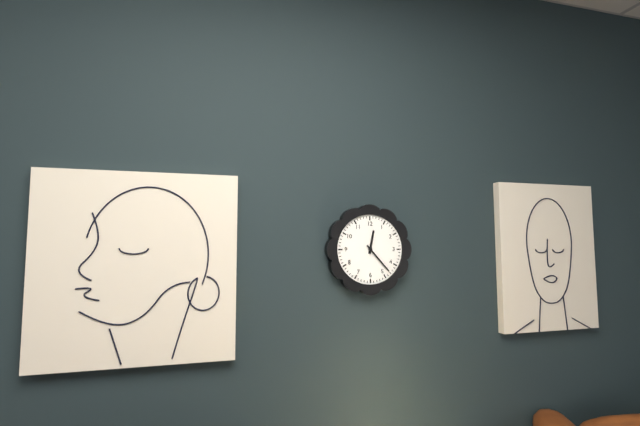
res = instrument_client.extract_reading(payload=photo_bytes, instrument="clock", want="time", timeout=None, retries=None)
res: 12:23
